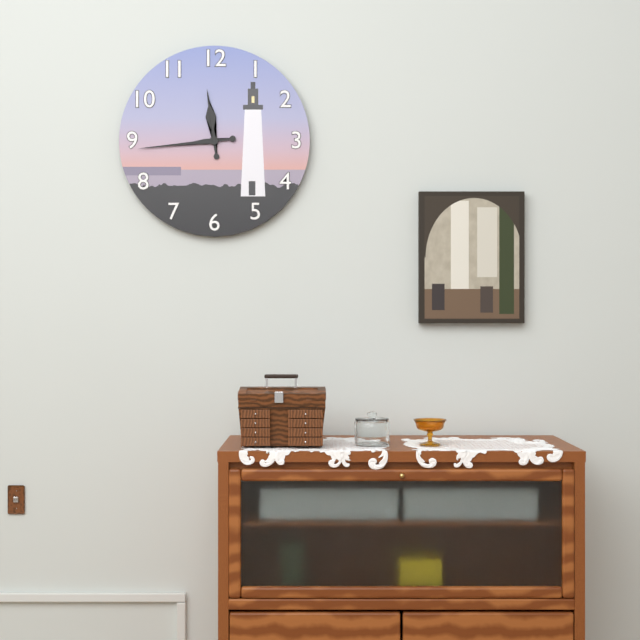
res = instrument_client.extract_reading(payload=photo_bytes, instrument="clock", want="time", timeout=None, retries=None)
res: 11:44
